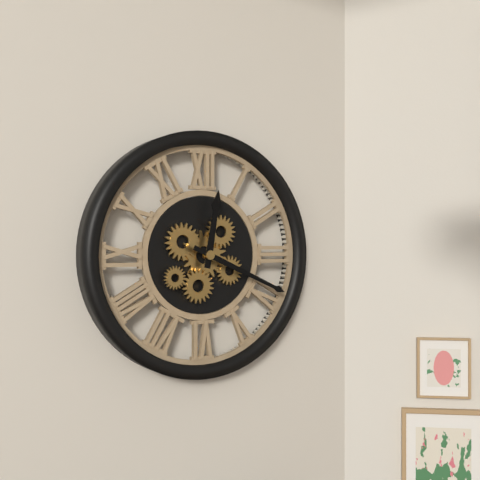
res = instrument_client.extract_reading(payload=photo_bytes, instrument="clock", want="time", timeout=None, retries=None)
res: 12:19
